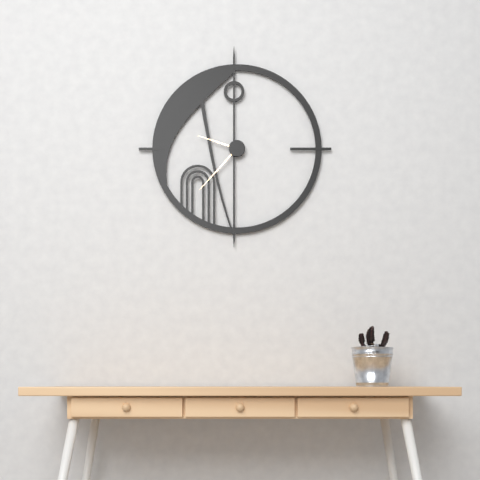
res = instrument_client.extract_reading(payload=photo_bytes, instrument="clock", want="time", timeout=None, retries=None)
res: 9:37
